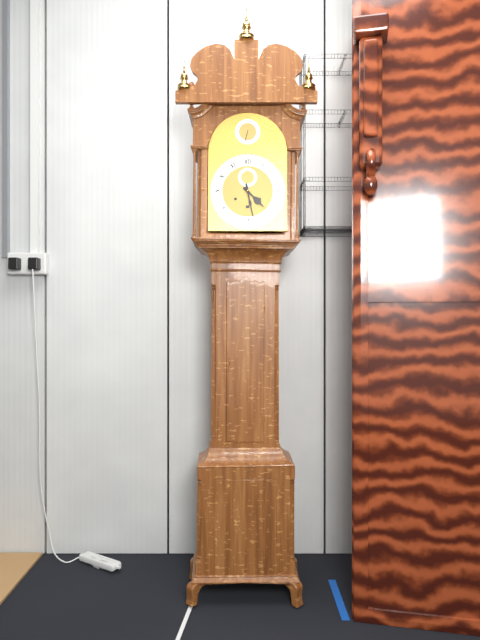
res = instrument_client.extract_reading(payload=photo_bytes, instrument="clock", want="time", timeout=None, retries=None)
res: 4:28
